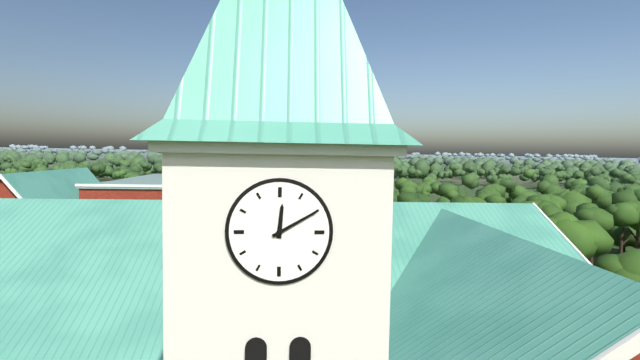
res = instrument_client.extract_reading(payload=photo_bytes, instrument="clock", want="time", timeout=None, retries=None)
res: 12:10
